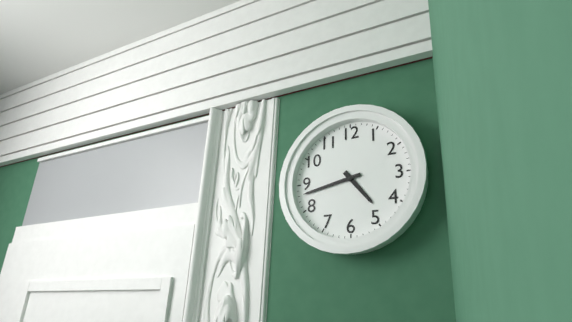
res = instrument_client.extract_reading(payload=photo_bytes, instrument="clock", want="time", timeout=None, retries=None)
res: 4:43
